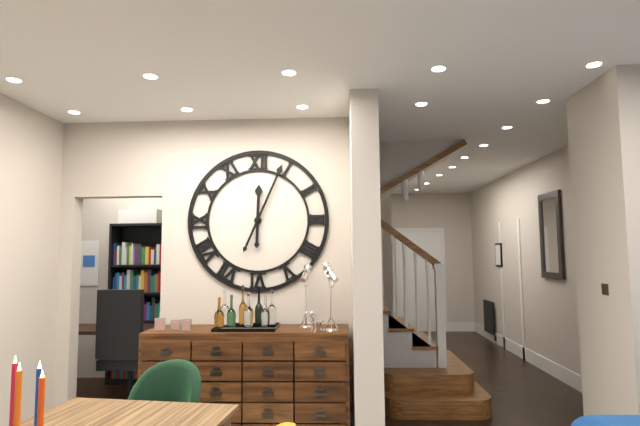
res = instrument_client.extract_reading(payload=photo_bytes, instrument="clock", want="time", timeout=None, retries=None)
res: 12:04
